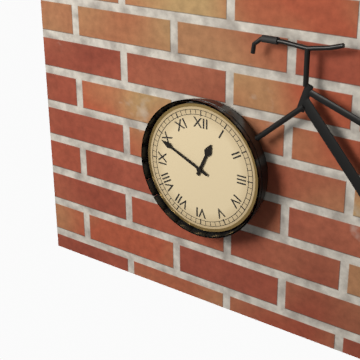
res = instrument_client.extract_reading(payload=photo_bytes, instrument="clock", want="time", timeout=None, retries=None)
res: 12:49
